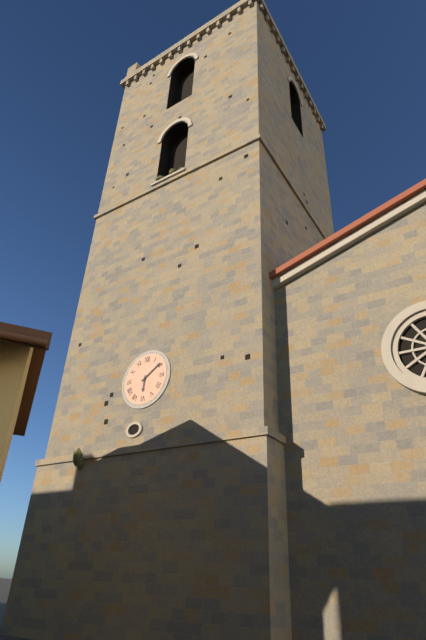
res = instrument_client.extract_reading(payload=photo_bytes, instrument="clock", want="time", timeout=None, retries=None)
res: 6:09
